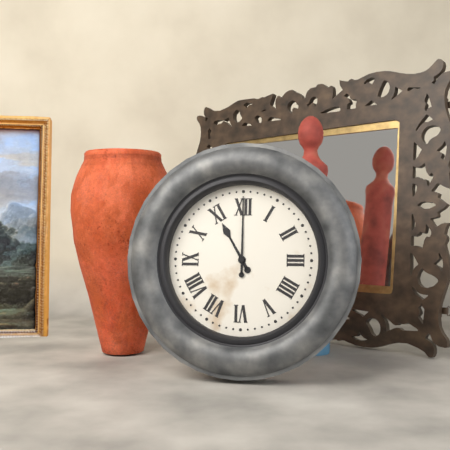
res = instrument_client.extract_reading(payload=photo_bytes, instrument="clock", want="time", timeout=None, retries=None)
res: 11:00
